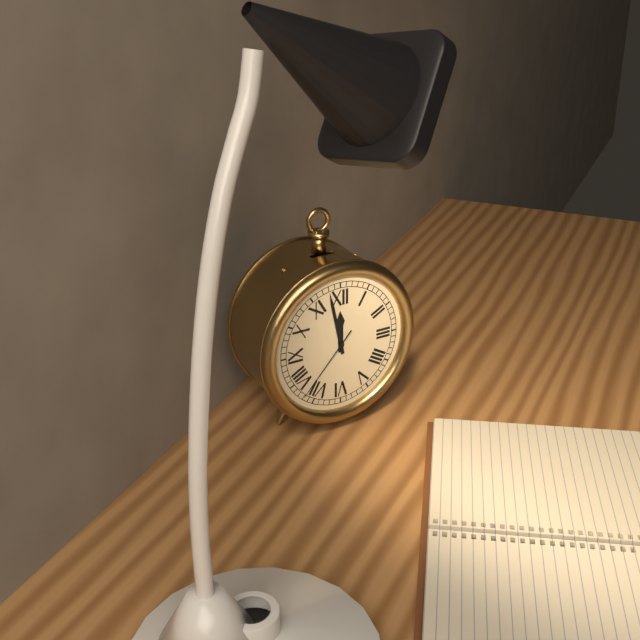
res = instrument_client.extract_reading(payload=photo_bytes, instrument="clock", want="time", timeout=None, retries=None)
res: 11:58:37
